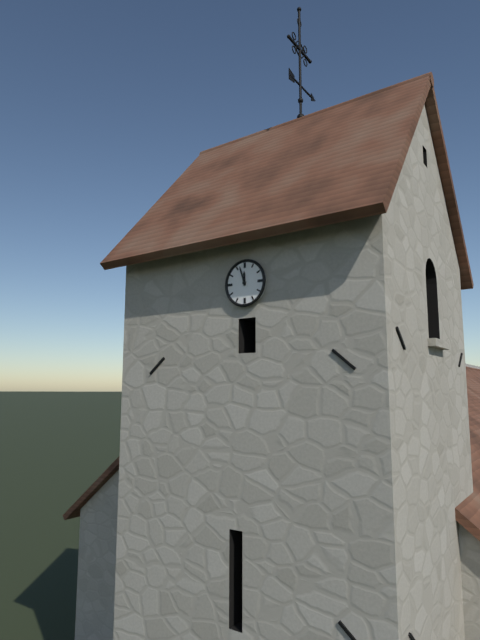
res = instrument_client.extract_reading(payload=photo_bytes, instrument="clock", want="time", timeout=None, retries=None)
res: 11:57
